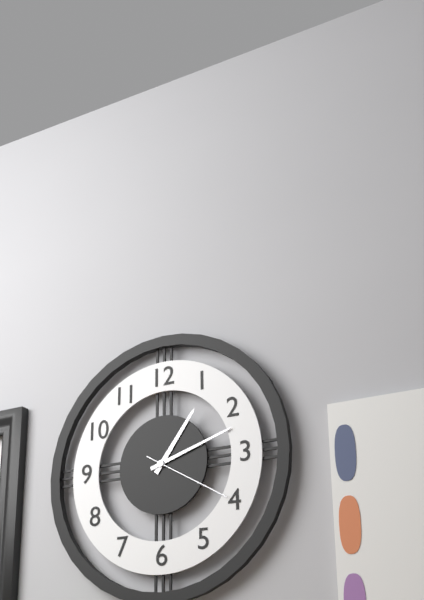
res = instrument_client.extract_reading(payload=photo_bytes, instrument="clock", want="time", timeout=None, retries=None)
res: 1:12:20
